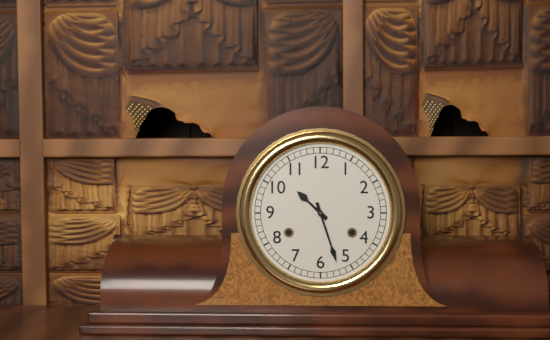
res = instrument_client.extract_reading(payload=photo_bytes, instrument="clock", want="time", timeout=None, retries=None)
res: 10:27
